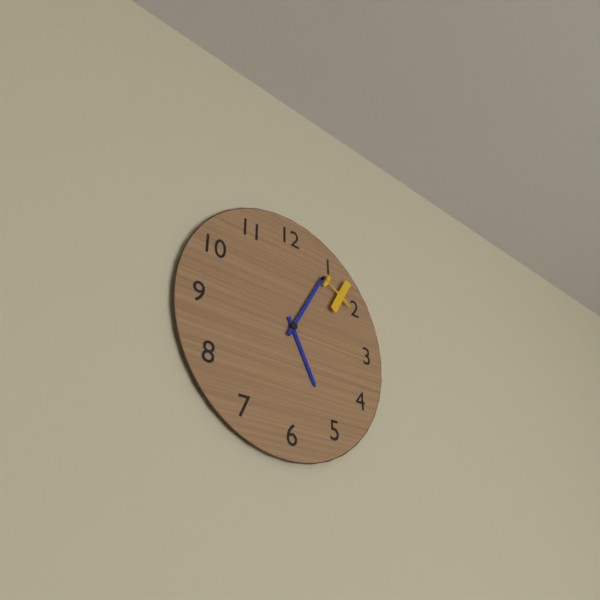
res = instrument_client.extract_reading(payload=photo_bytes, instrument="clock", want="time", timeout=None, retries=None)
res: 5:05
